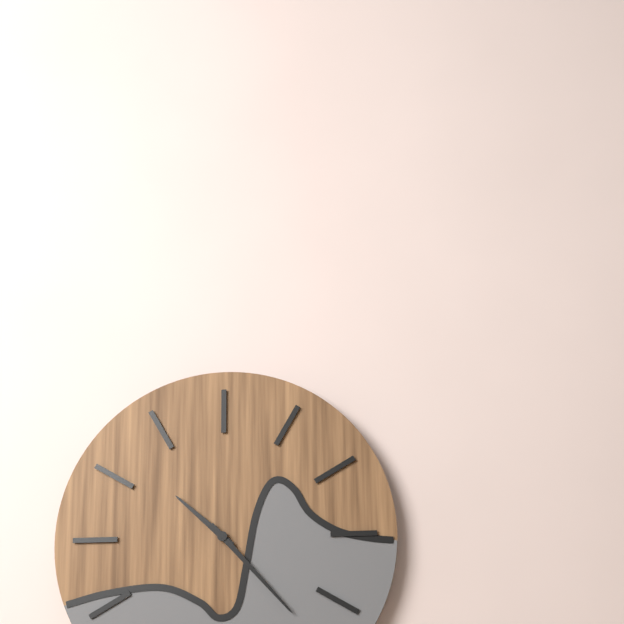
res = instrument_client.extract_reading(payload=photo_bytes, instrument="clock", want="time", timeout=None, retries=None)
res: 10:23
